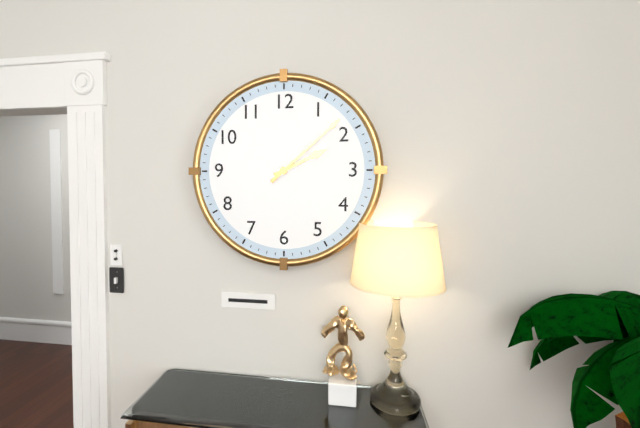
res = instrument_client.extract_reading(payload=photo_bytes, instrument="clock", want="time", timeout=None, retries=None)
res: 2:08
